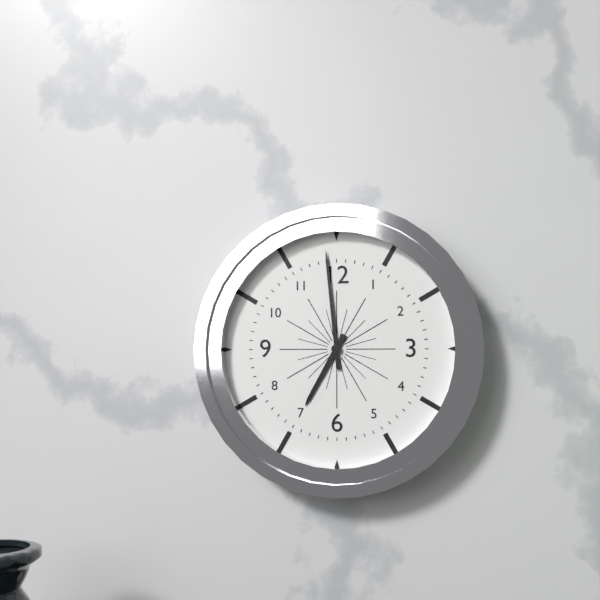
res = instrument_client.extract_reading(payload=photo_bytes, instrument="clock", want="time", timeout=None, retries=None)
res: 6:59
